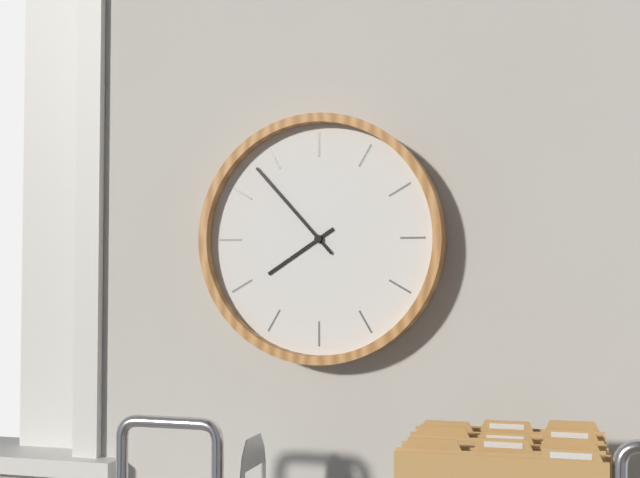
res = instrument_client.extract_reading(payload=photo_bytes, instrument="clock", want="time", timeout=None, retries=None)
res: 7:53
